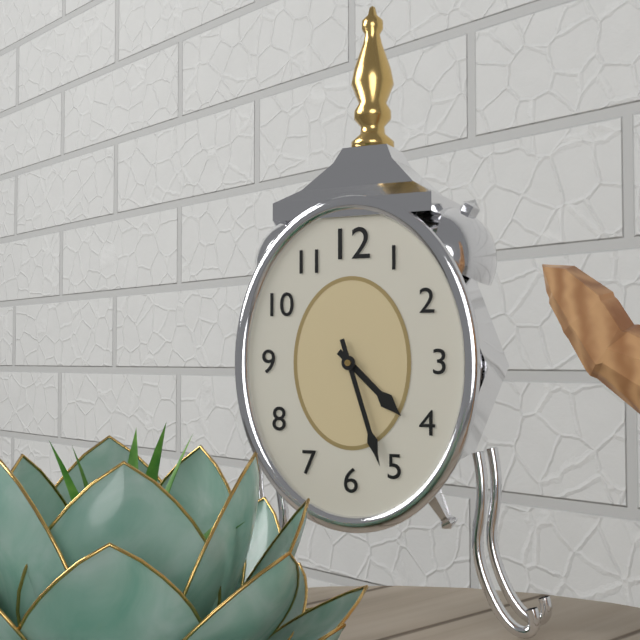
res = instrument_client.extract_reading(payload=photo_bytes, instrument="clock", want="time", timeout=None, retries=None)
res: 4:27
